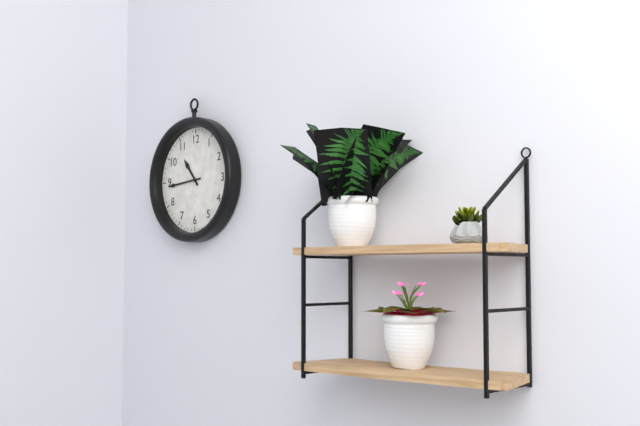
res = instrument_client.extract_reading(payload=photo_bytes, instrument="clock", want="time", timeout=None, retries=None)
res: 10:44
